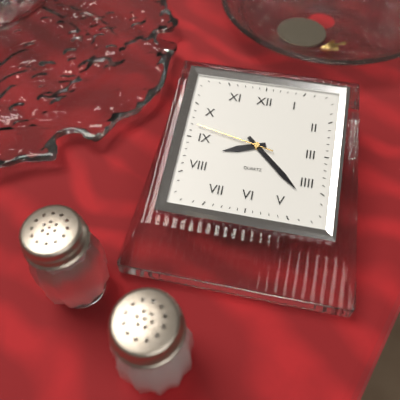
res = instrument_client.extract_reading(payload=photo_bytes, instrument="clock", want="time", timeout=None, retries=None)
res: 8:22:47
